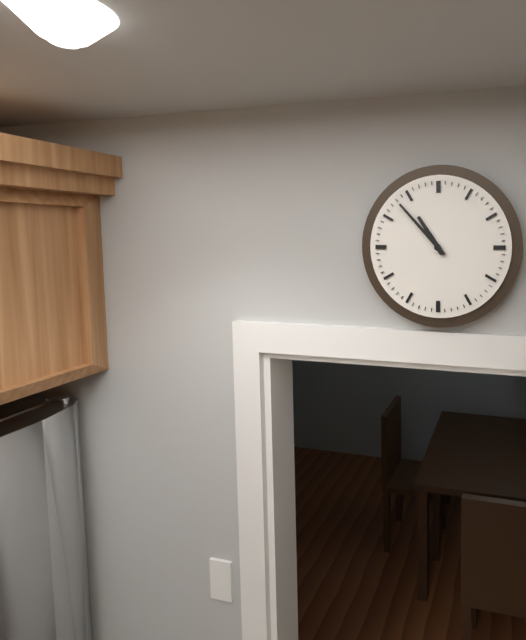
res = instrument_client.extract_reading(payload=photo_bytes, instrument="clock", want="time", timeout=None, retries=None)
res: 10:53
